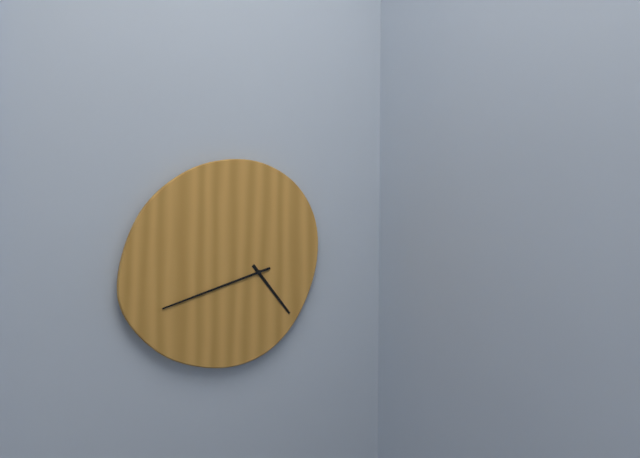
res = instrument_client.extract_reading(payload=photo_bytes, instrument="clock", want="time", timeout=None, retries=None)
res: 4:42
